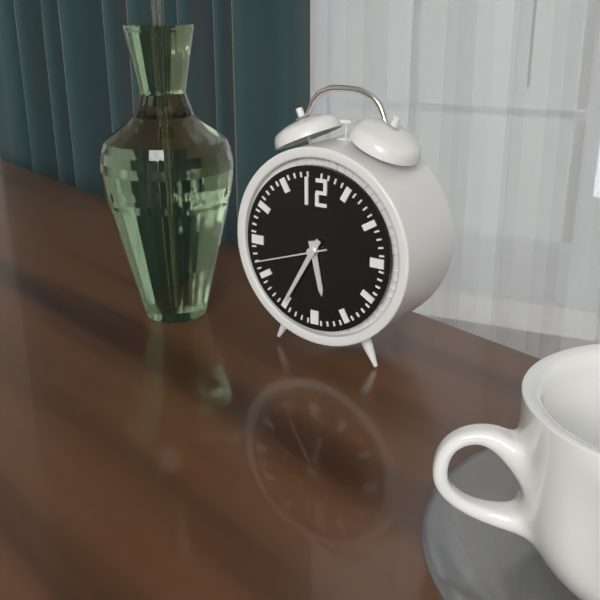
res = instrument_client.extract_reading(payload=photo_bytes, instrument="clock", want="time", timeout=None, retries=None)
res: 5:35:42
